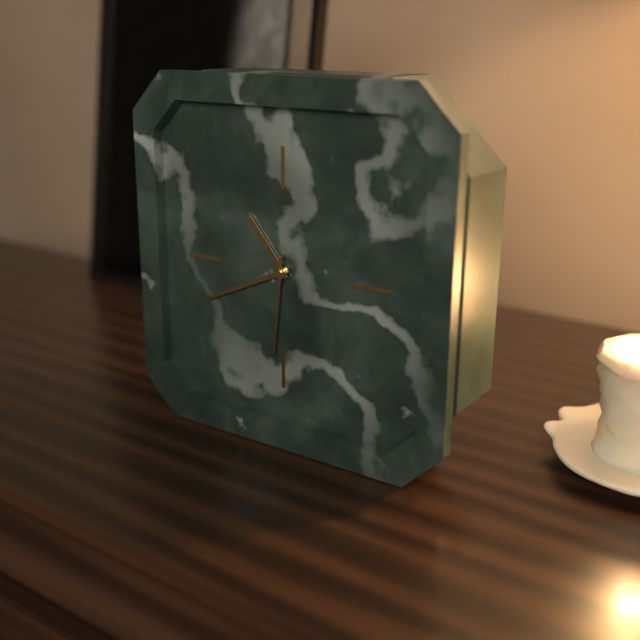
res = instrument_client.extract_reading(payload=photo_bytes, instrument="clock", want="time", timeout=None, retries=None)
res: 10:41:31
